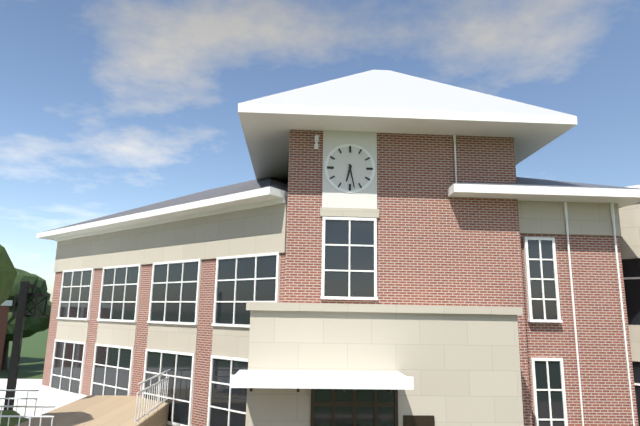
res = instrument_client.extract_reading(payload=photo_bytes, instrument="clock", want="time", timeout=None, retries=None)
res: 6:28
